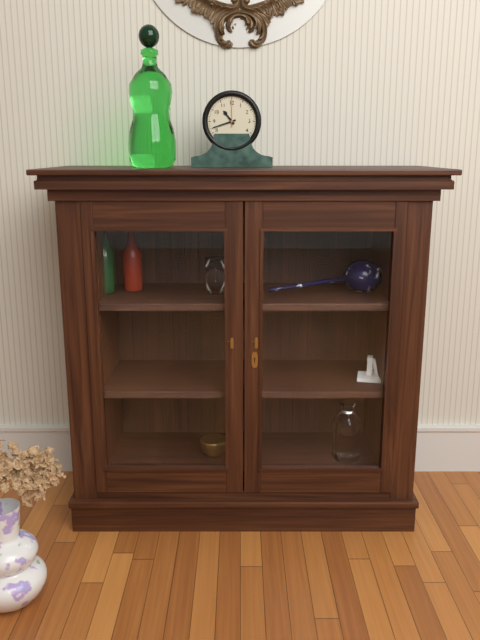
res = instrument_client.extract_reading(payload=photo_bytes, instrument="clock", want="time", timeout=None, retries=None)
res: 10:42
